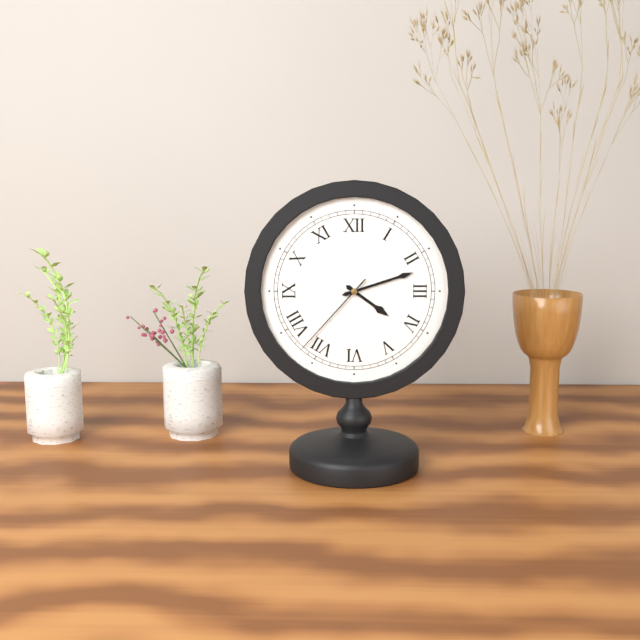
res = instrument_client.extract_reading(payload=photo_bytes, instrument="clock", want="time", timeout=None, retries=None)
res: 4:12:37
